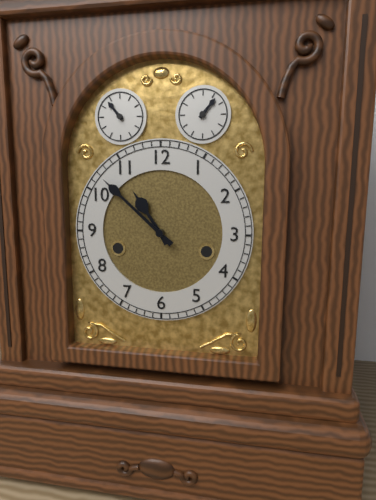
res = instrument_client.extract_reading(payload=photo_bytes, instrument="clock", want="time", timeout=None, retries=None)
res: 10:52
